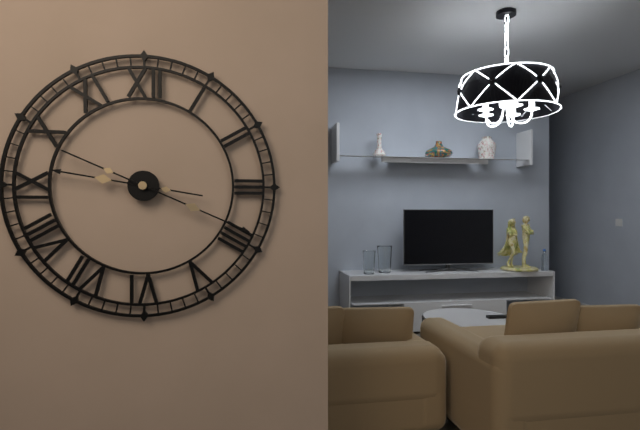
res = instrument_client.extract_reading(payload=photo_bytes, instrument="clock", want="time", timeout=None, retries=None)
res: 9:19
